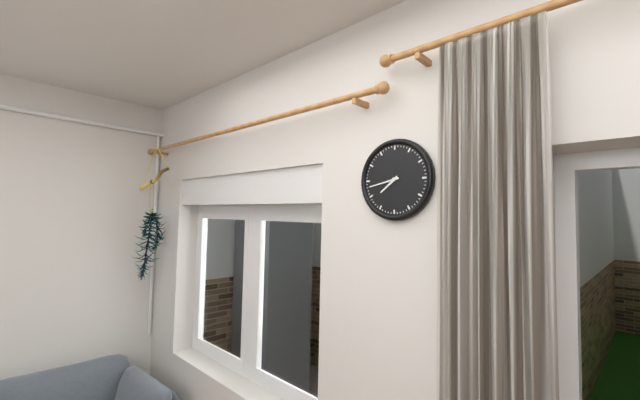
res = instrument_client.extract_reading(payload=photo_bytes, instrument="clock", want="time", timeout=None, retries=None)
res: 7:43
